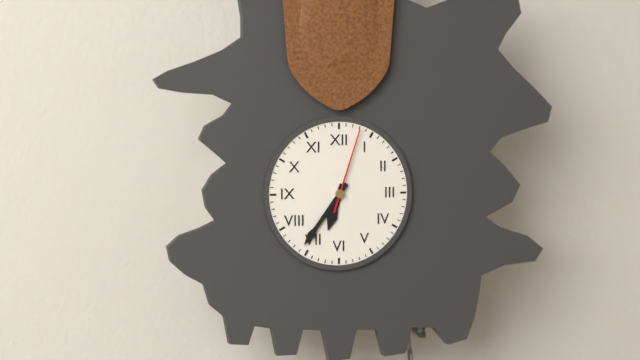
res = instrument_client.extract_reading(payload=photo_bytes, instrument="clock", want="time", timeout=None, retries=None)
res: 6:36:03
